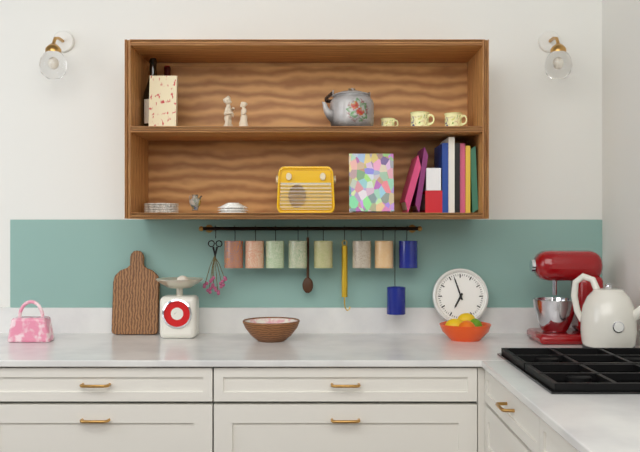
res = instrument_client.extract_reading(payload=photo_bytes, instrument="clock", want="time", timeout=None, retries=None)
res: 6:57
